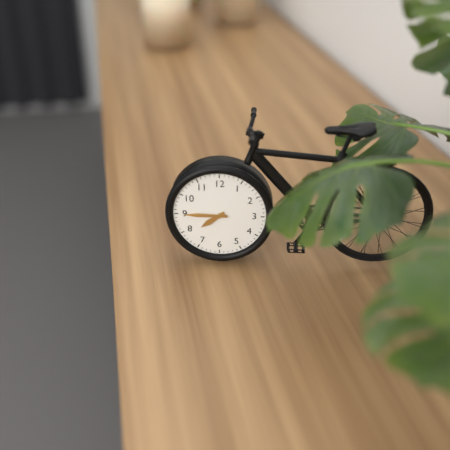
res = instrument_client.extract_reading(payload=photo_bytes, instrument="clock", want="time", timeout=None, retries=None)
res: 7:45
